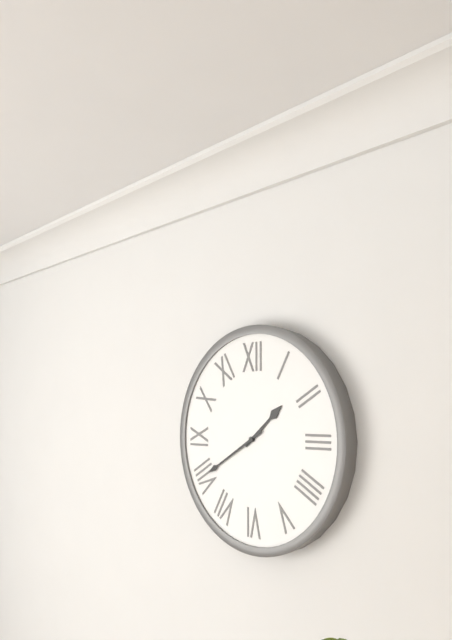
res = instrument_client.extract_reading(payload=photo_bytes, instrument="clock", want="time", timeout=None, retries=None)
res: 1:40
